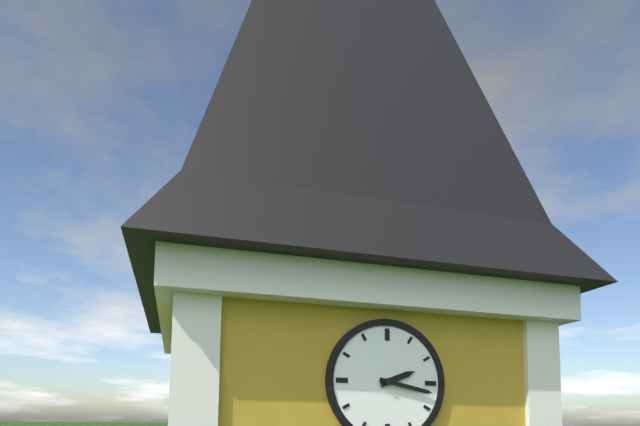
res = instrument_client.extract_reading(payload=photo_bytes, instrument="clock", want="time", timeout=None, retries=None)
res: 2:17
